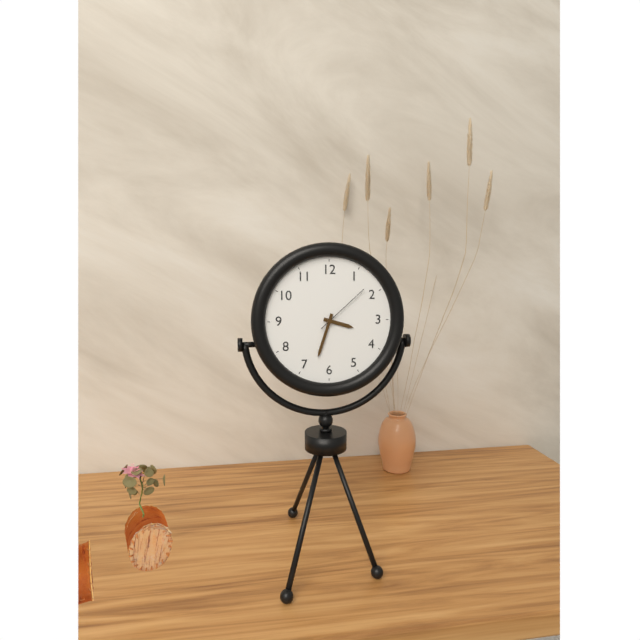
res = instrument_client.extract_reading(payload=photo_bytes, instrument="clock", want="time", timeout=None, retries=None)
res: 3:33:08
